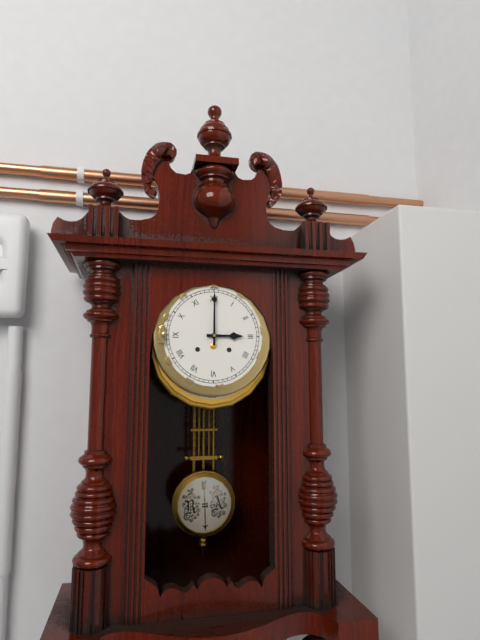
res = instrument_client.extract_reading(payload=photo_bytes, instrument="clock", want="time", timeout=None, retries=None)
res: 3:00
